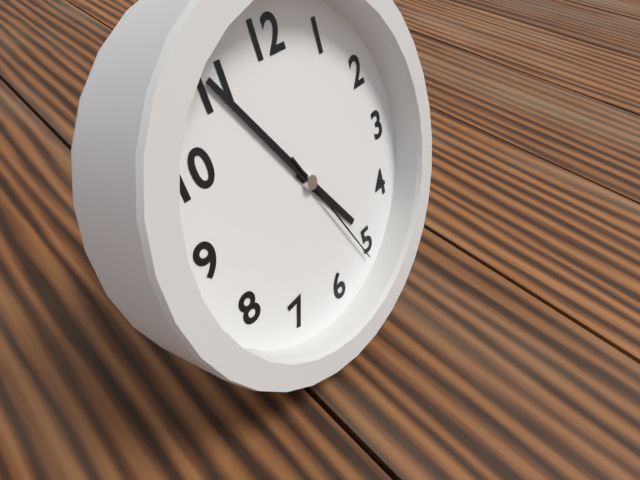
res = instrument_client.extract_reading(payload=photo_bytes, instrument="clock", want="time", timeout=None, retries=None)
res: 4:55:26
